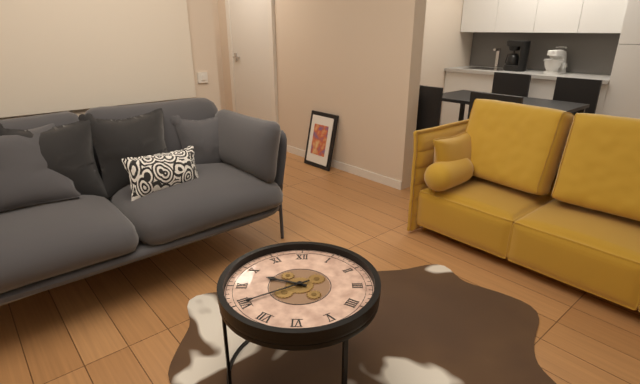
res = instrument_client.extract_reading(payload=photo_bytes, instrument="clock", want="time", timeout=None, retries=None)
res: 9:40
